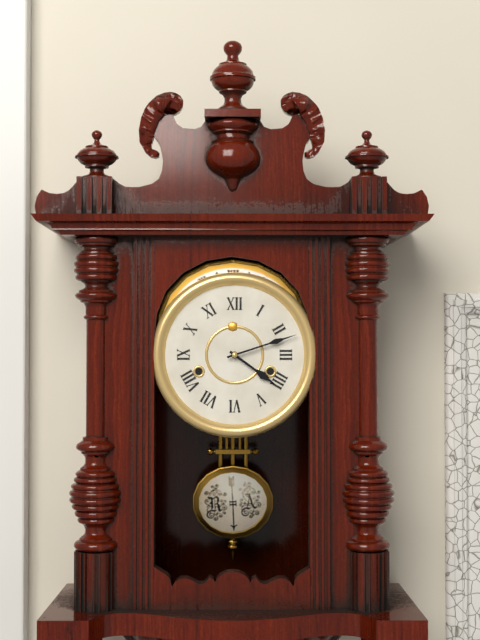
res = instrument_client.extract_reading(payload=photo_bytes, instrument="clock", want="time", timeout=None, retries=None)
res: 4:12
